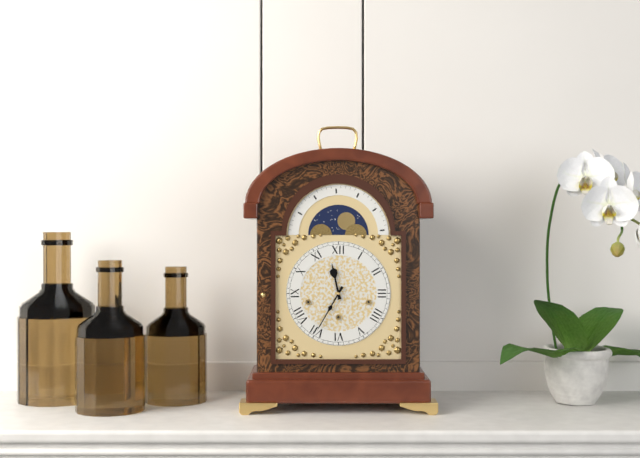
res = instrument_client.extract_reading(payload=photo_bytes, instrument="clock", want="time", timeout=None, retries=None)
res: 11:35
